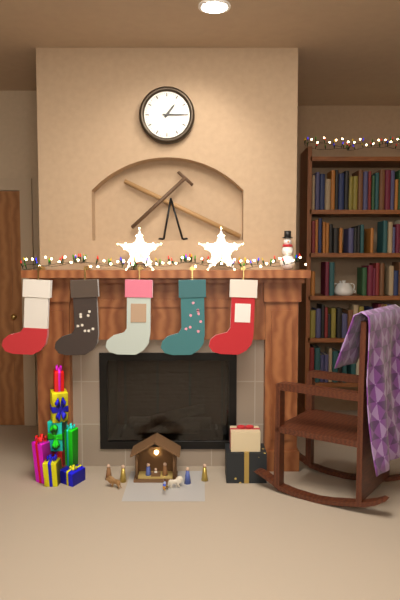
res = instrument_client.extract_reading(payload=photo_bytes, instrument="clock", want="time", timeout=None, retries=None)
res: 1:15
